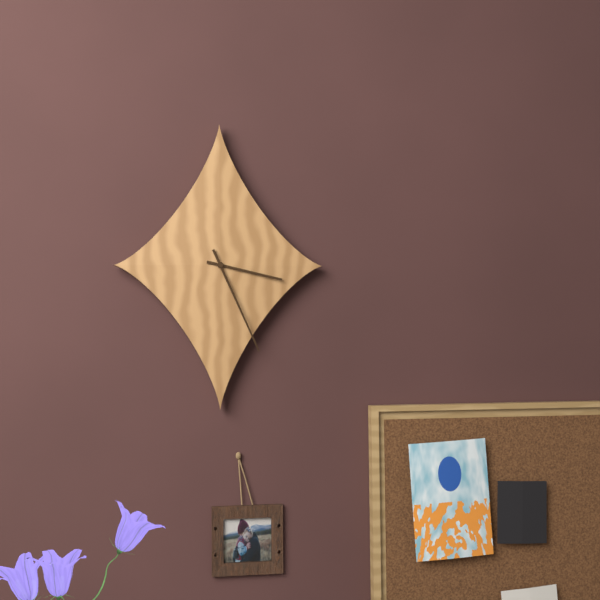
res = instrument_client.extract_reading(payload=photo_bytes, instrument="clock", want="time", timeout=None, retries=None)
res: 3:26
